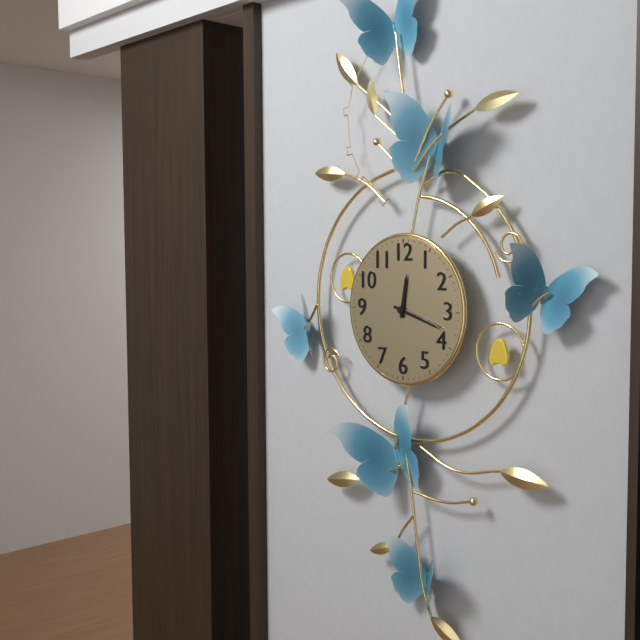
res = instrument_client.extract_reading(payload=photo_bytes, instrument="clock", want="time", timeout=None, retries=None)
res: 12:18
